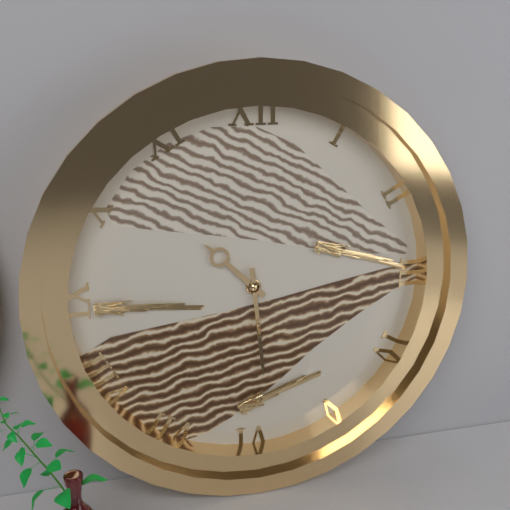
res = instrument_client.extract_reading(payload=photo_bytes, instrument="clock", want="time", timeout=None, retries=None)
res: 10:29
